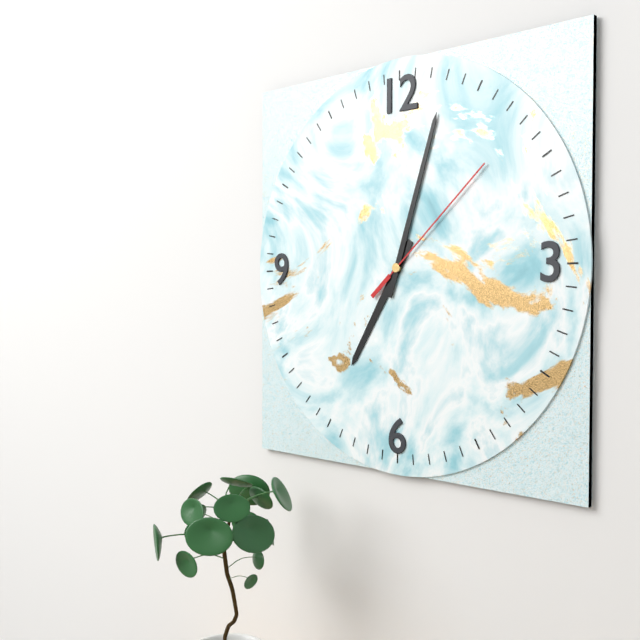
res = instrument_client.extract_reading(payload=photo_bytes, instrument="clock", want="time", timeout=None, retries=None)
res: 7:03:08
